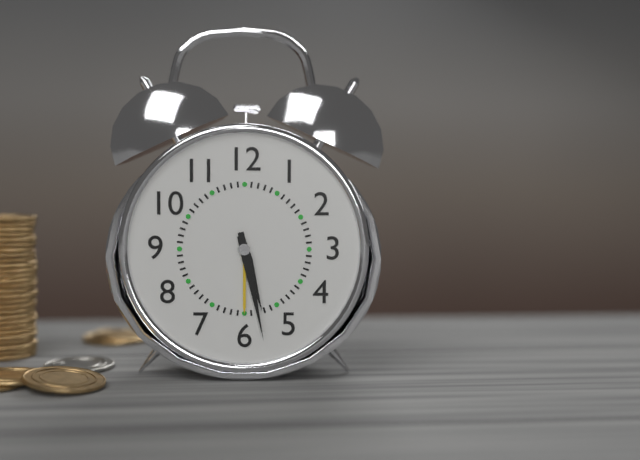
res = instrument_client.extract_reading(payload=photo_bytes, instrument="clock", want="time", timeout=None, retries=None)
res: 5:28
